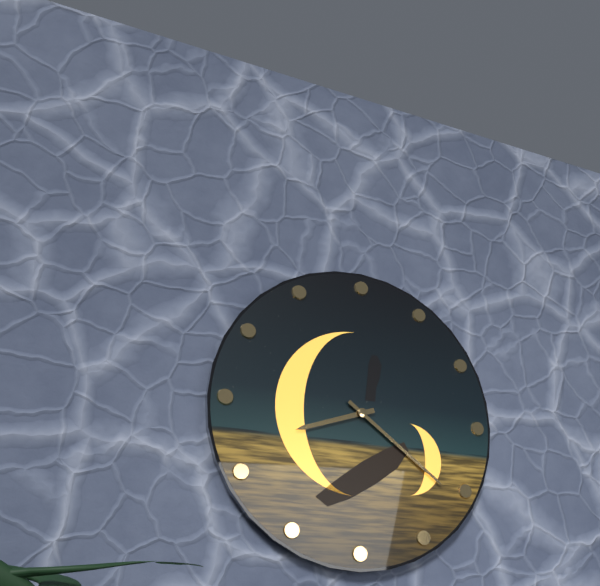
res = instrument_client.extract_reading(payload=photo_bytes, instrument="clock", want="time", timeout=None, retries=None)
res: 8:21
